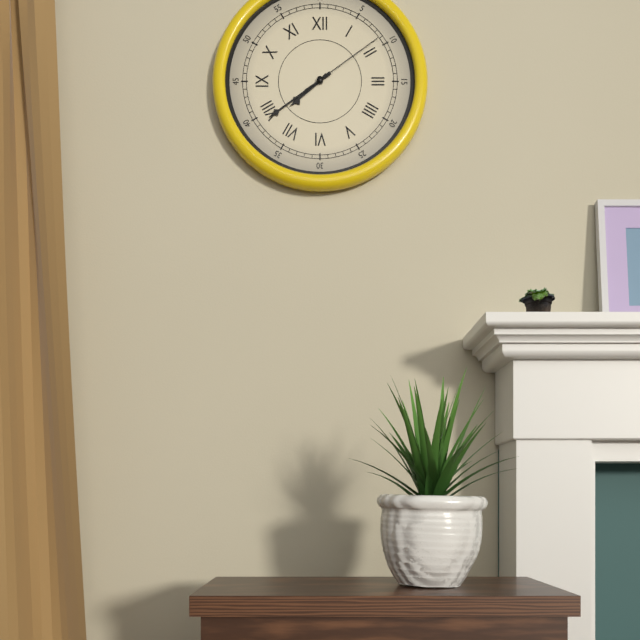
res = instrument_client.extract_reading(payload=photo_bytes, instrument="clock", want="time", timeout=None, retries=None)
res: 7:39:09
